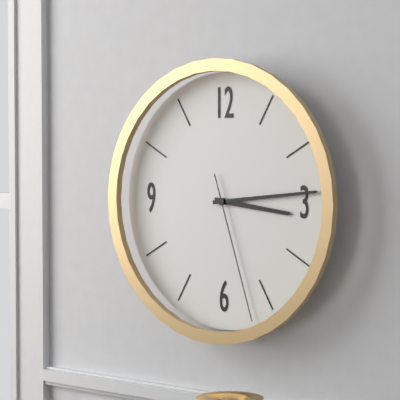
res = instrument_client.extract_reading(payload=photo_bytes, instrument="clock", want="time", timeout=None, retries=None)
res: 3:14:27
